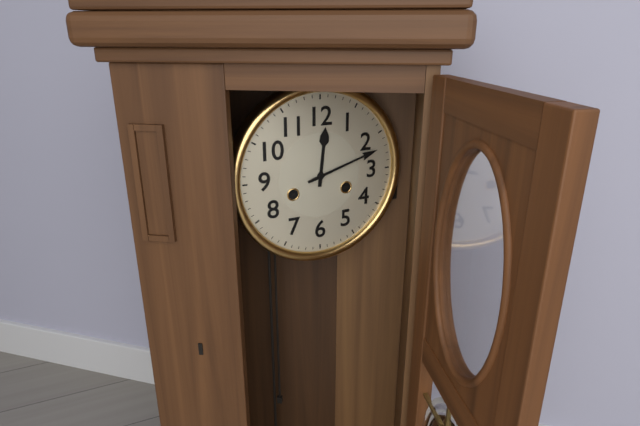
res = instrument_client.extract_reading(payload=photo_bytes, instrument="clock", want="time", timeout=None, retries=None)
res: 12:12
